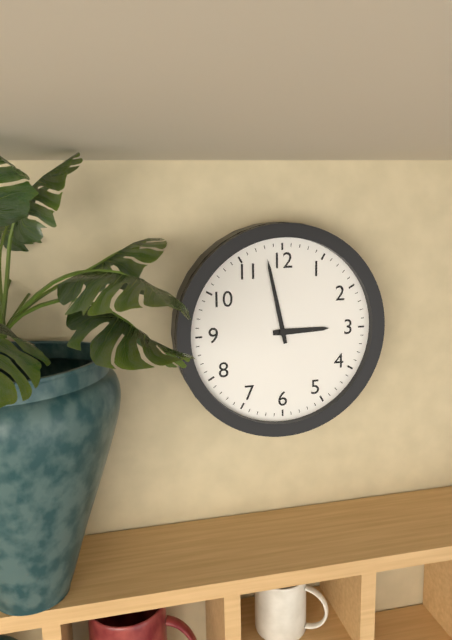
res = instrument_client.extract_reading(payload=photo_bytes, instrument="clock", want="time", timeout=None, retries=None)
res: 2:58
